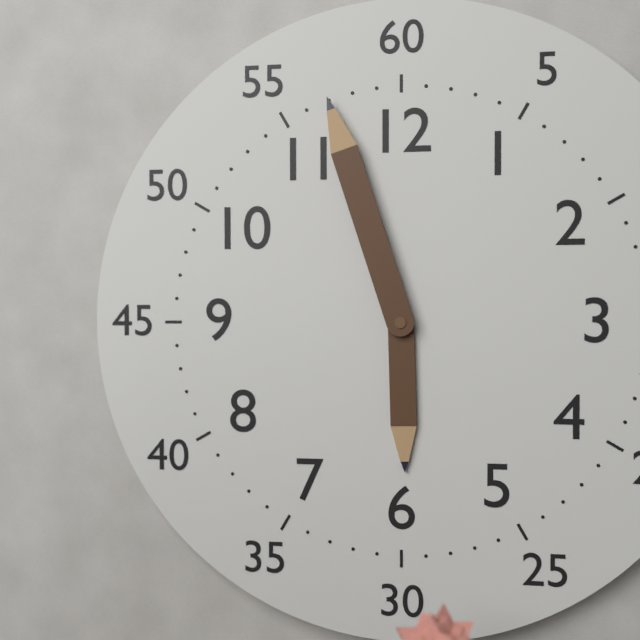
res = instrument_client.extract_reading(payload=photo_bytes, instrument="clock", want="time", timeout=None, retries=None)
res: 5:57
